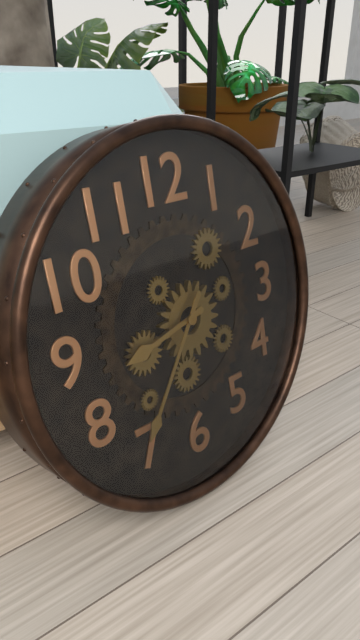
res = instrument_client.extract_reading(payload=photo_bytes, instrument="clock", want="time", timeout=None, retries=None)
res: 8:36
